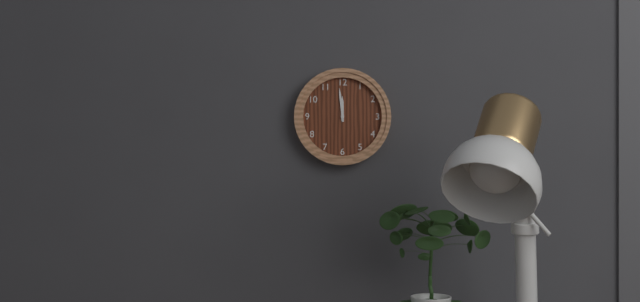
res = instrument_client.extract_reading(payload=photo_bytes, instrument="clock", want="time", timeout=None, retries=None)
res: 11:59
